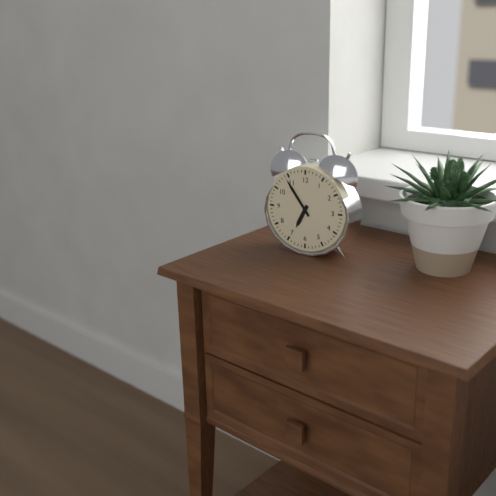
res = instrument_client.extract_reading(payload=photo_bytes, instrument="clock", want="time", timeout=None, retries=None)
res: 6:54
